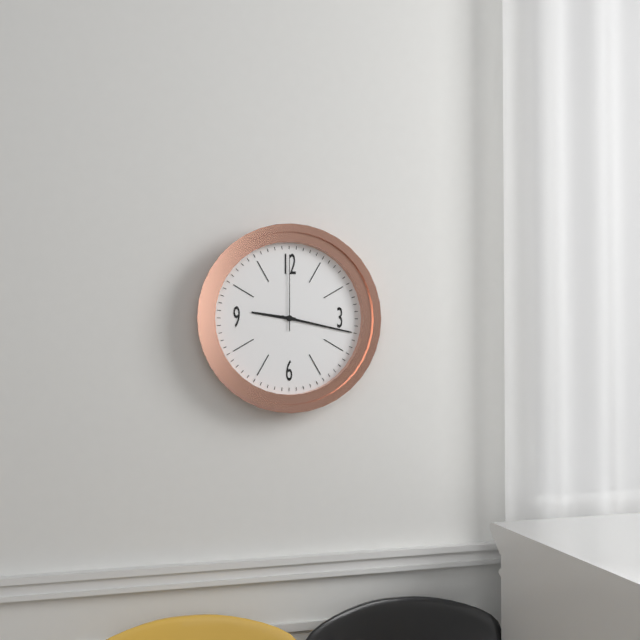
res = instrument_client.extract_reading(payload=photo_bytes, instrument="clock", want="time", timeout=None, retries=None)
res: 9:17:00
